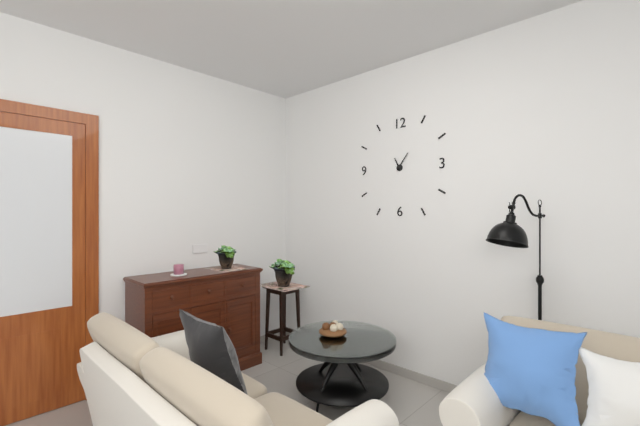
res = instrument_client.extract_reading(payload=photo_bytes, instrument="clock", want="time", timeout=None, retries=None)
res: 11:06
